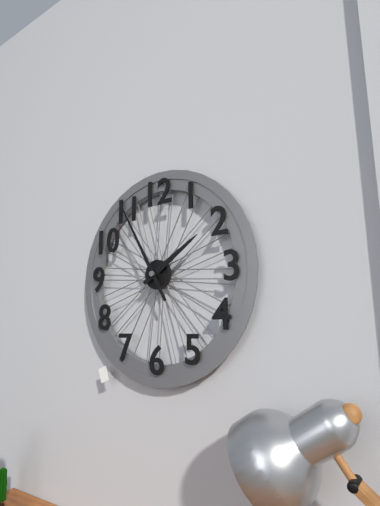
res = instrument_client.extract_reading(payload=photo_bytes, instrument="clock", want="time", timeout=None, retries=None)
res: 1:55
